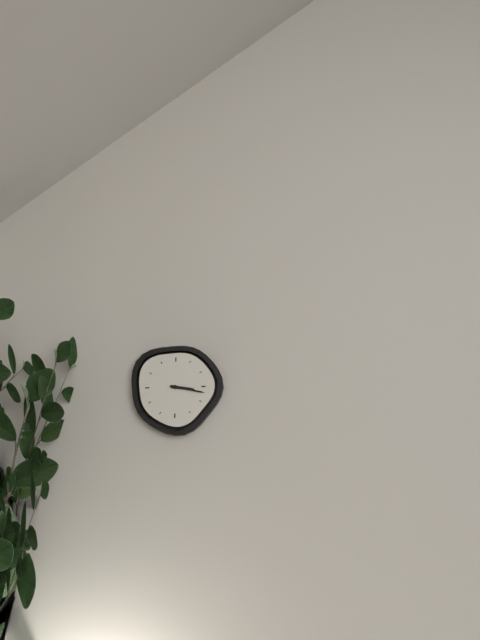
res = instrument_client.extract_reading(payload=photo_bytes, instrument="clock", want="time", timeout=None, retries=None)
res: 3:17
